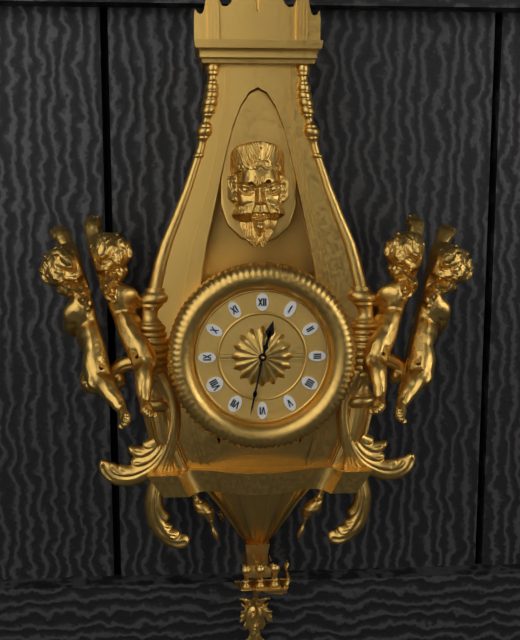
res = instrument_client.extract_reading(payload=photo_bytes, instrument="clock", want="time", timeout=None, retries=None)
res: 12:32
